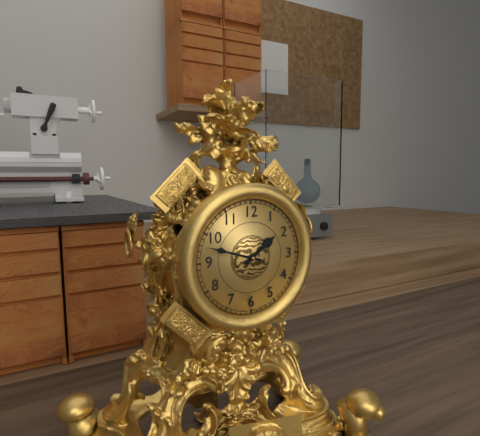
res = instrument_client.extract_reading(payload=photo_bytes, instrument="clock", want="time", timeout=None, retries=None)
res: 1:48
